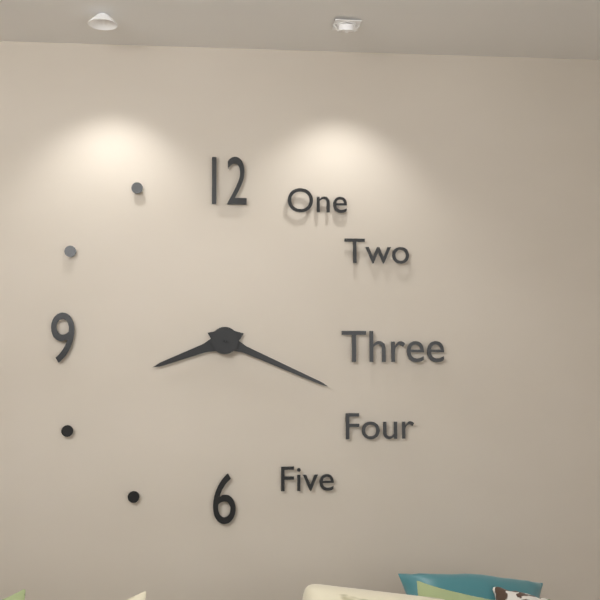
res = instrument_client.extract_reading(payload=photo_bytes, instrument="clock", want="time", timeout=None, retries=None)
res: 8:19
